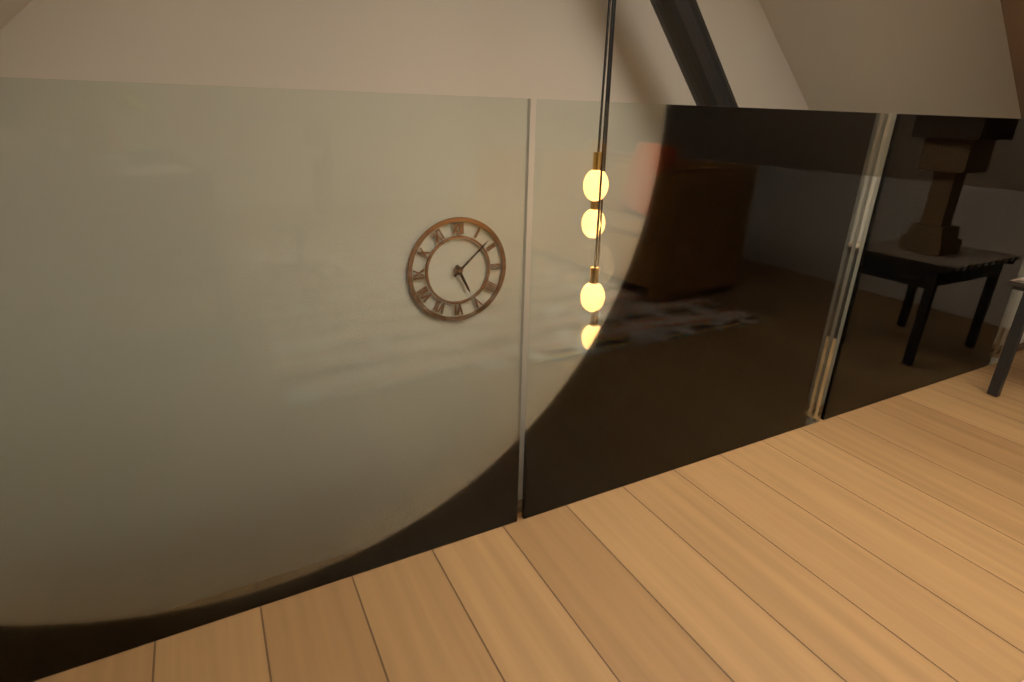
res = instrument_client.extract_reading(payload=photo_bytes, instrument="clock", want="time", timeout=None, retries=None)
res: 5:08
